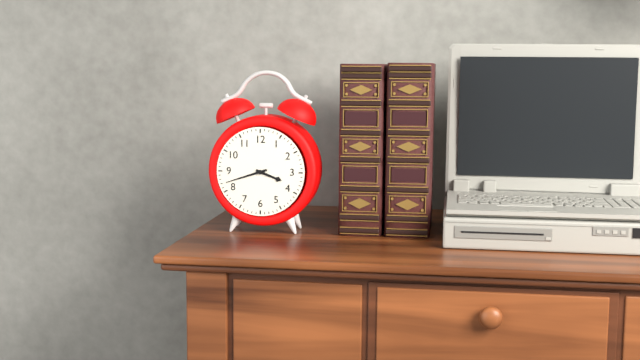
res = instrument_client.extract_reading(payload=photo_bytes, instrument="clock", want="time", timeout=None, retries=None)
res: 3:42
